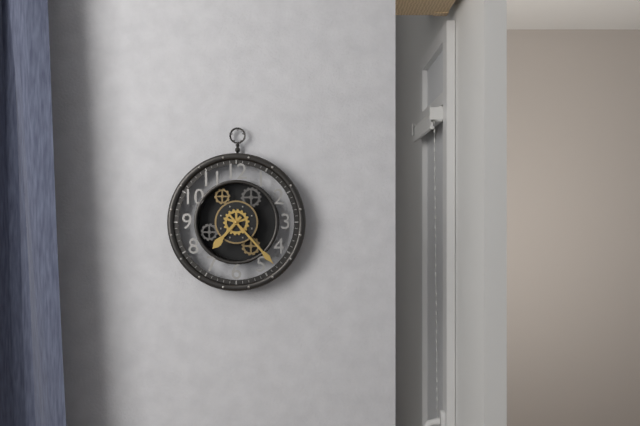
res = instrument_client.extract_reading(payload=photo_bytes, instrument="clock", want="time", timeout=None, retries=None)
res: 7:23
